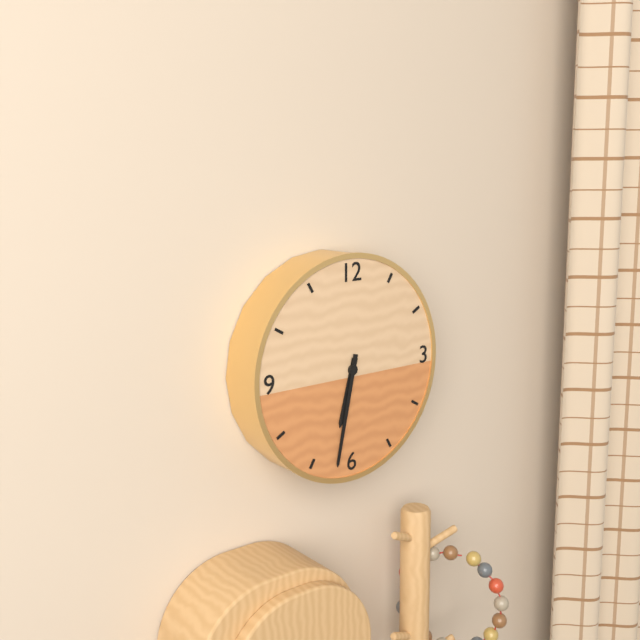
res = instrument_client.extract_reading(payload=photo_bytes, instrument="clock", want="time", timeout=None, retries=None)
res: 6:32
